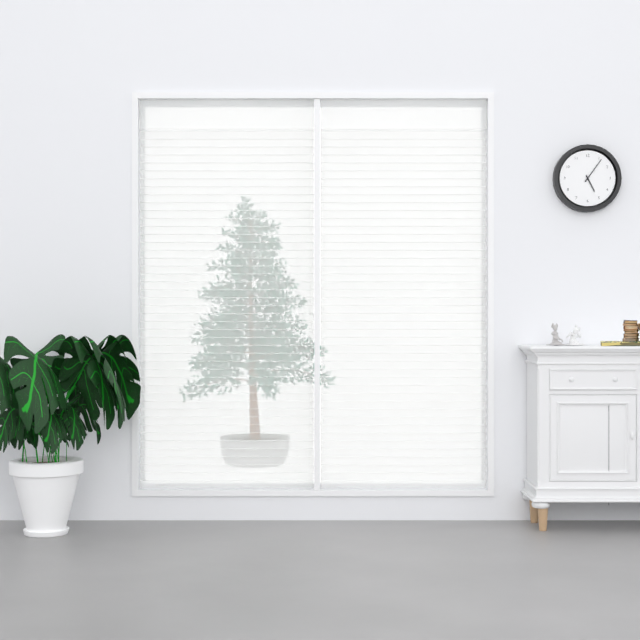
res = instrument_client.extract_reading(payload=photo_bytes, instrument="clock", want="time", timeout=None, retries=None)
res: 5:06
